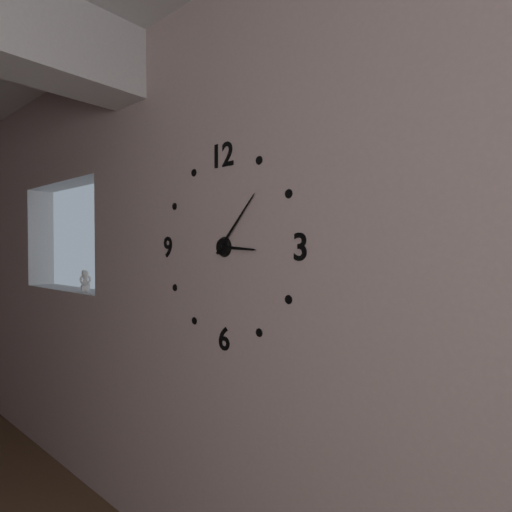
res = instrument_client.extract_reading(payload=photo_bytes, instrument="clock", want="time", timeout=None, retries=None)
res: 3:07
